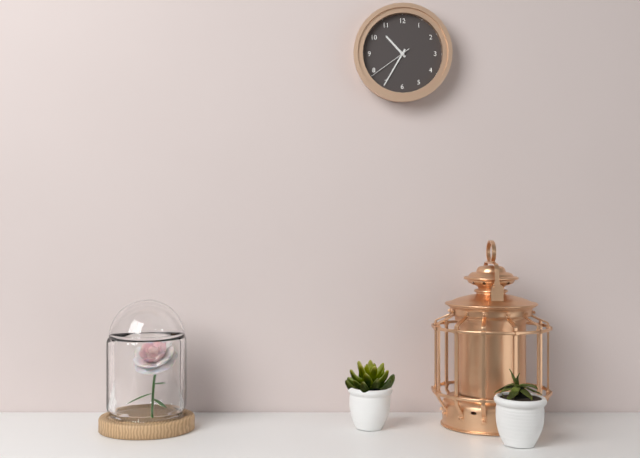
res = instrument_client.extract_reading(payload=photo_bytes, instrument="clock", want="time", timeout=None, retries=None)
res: 10:35
